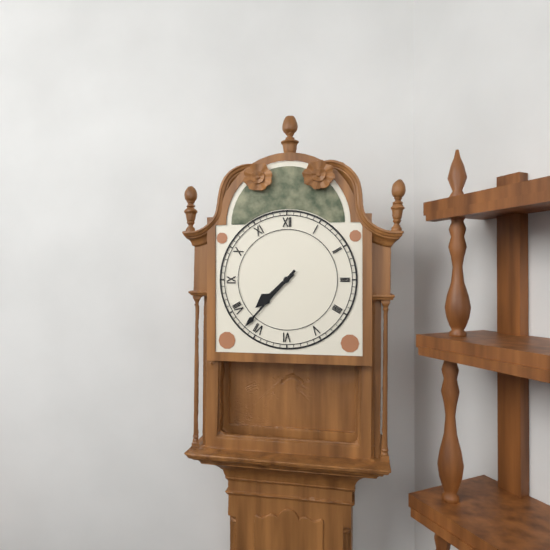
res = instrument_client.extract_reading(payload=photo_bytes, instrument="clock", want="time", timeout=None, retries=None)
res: 7:37
